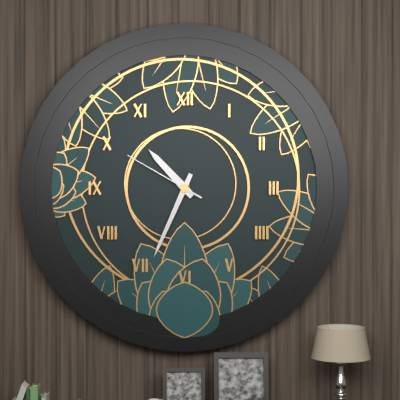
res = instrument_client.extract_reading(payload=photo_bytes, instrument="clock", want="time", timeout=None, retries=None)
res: 10:34:50
